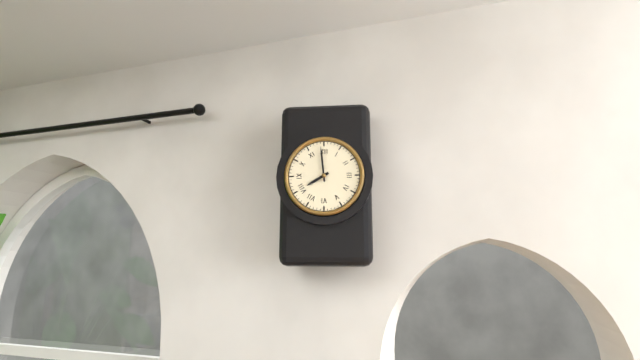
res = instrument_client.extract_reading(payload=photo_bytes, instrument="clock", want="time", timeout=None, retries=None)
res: 7:59
